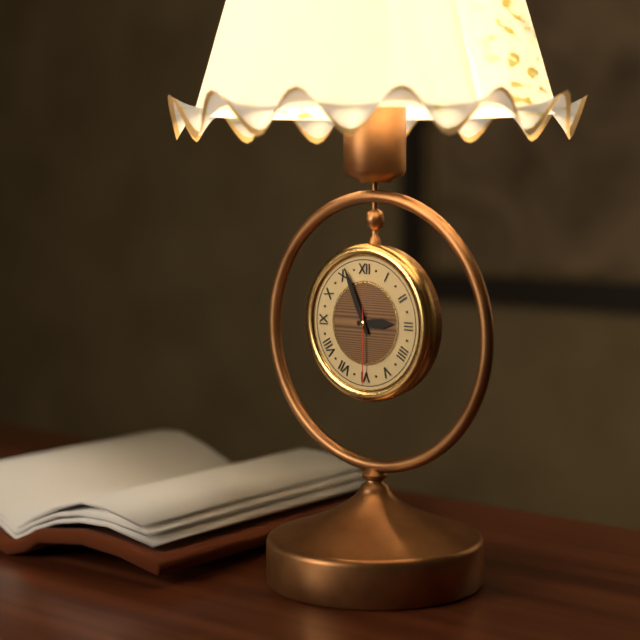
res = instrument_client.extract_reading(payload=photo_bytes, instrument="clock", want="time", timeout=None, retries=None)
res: 2:56:30
